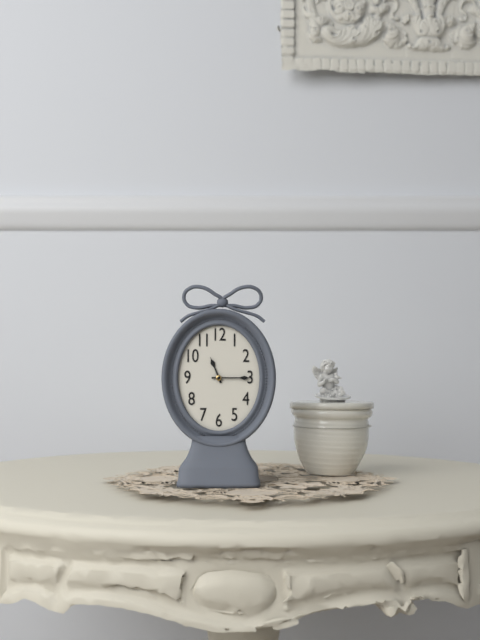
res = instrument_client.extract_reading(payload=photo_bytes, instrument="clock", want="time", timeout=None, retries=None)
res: 11:15
